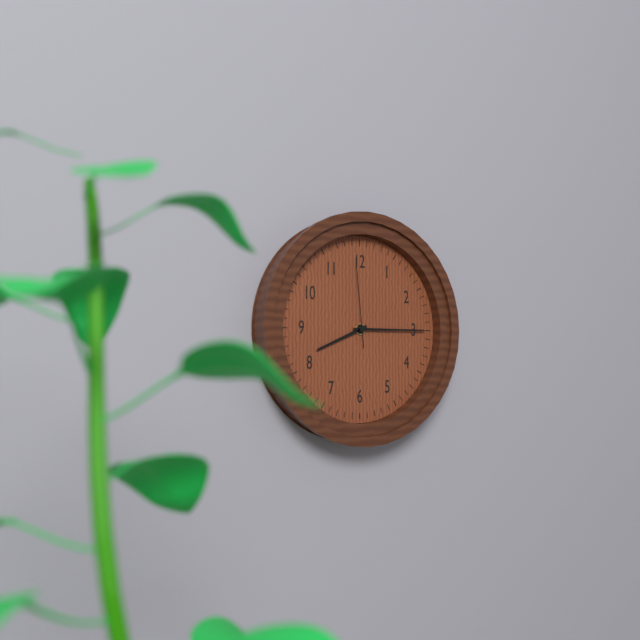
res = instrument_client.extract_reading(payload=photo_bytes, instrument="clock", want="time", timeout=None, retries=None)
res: 8:15:59
